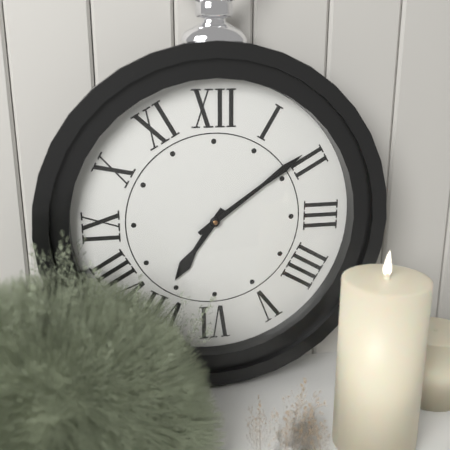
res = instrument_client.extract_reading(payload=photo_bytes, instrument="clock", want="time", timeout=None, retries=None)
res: 7:09
